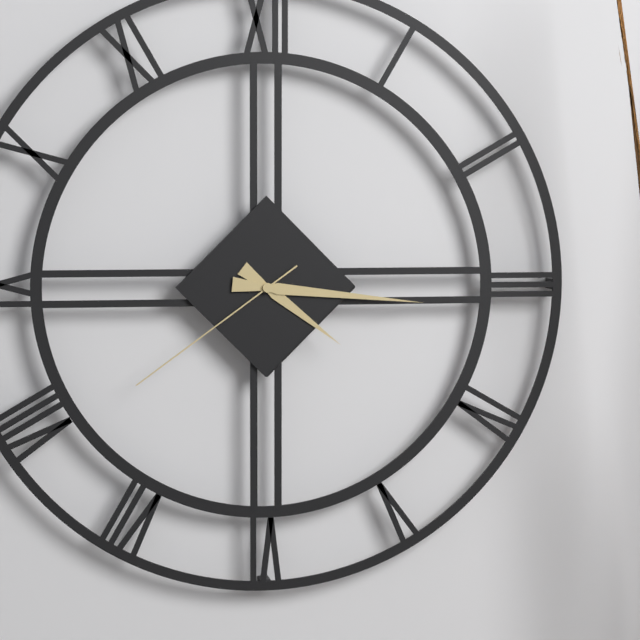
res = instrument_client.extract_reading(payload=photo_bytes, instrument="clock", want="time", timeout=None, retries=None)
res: 4:16:39
